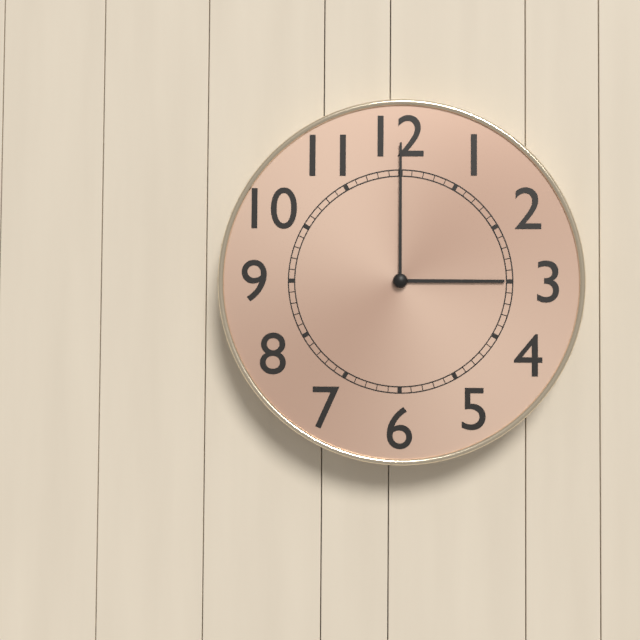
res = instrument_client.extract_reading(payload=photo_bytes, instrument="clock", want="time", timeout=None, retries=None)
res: 3:00
